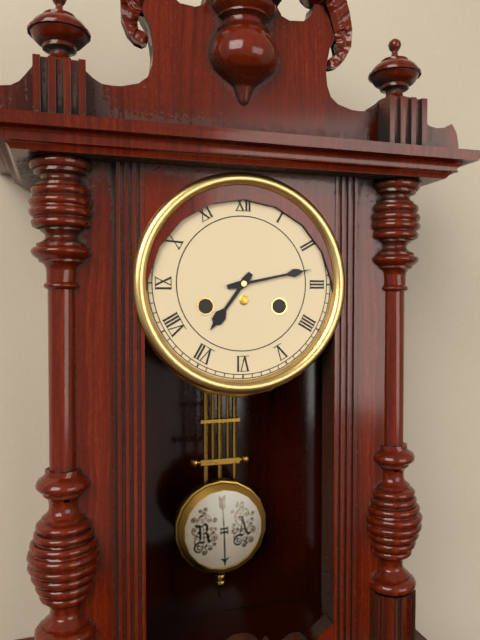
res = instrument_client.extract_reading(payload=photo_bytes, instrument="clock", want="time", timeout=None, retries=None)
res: 7:13
